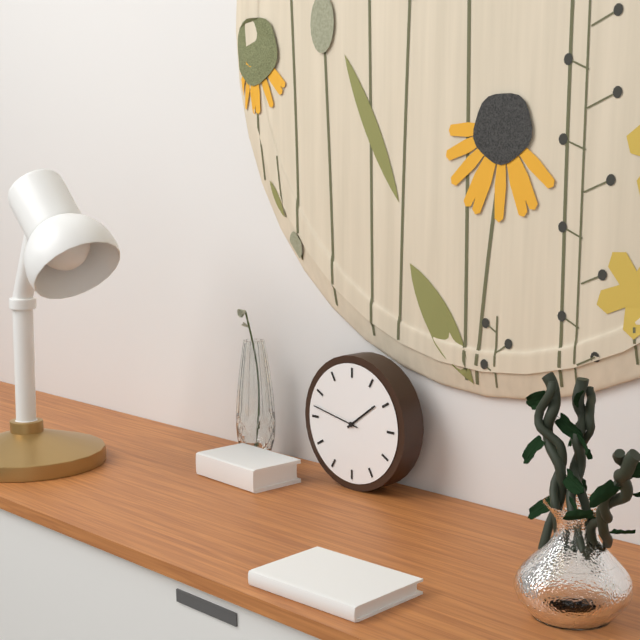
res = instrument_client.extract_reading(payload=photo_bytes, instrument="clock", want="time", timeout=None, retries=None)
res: 1:47
